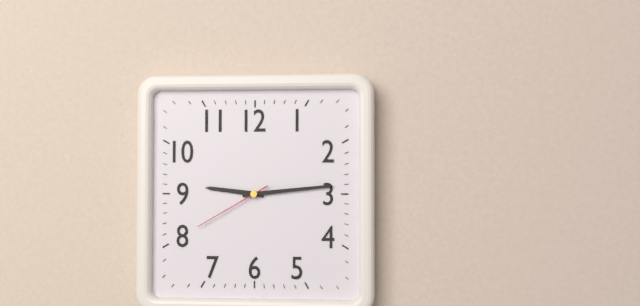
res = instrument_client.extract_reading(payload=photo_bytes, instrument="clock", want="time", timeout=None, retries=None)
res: 9:14:40
